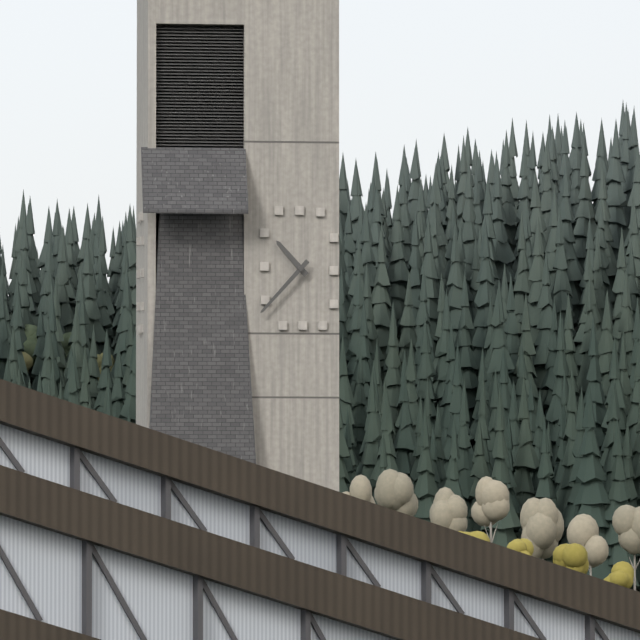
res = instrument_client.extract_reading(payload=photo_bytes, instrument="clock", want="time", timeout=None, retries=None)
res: 10:37
